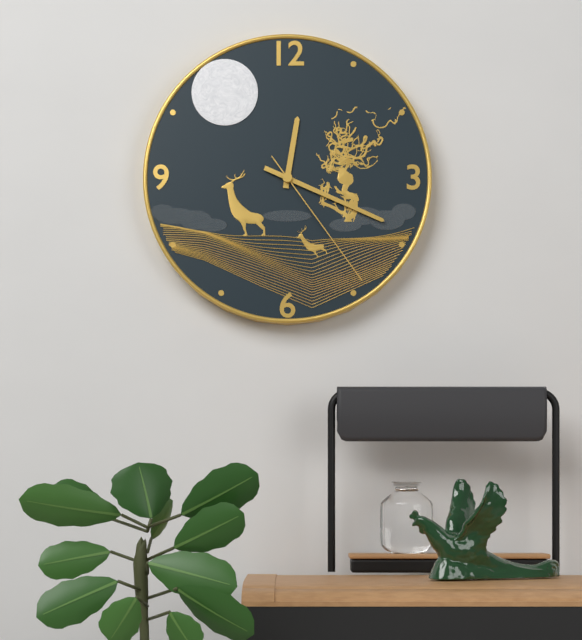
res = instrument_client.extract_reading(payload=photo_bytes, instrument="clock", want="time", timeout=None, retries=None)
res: 12:19:24
